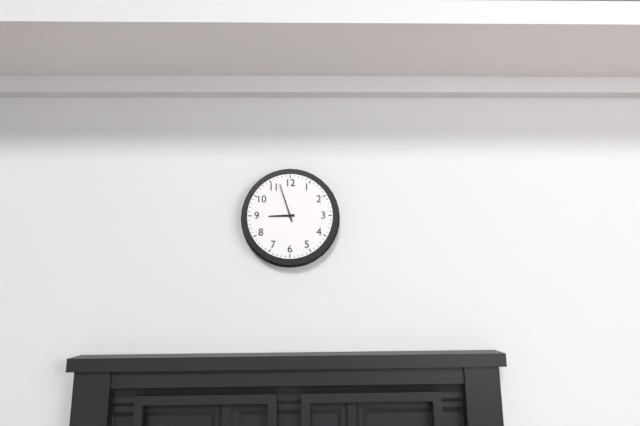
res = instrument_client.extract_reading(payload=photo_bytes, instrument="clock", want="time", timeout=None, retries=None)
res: 8:57
